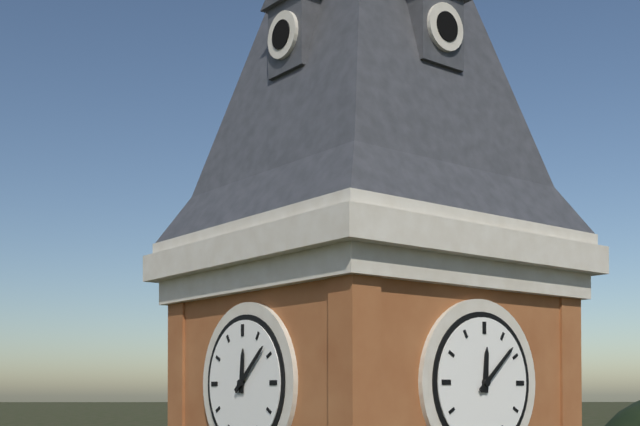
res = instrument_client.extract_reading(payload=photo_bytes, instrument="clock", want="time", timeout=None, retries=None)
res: 12:08
